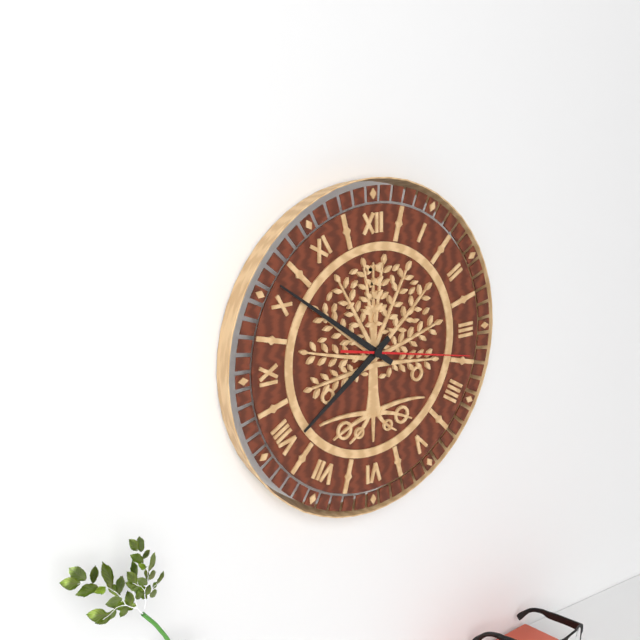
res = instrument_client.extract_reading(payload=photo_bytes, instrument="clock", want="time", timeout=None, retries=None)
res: 7:51:17
